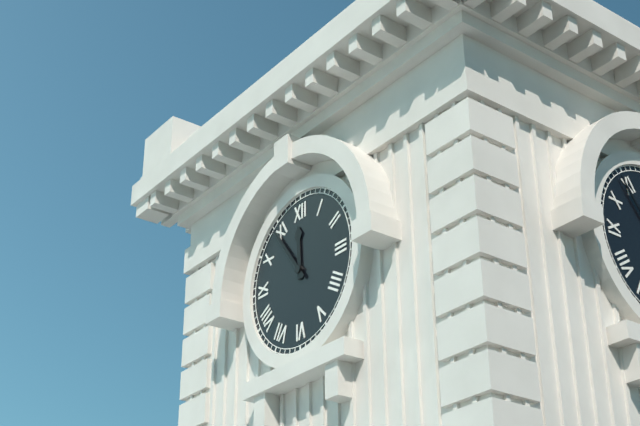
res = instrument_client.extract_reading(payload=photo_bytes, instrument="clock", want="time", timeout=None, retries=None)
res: 11:54
